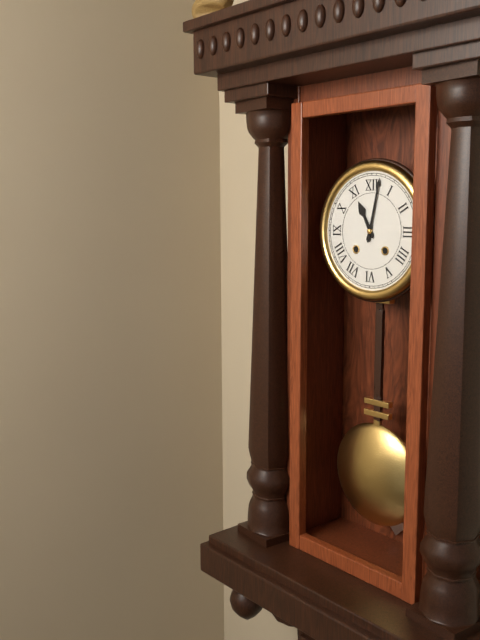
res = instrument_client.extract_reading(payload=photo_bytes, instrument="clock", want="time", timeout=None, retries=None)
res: 11:02
